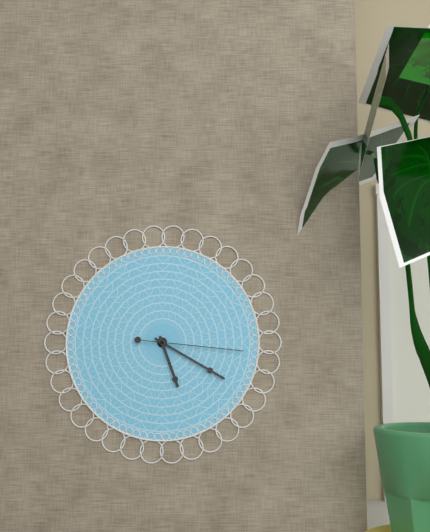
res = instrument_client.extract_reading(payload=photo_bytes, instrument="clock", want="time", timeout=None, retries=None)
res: 5:20:16
